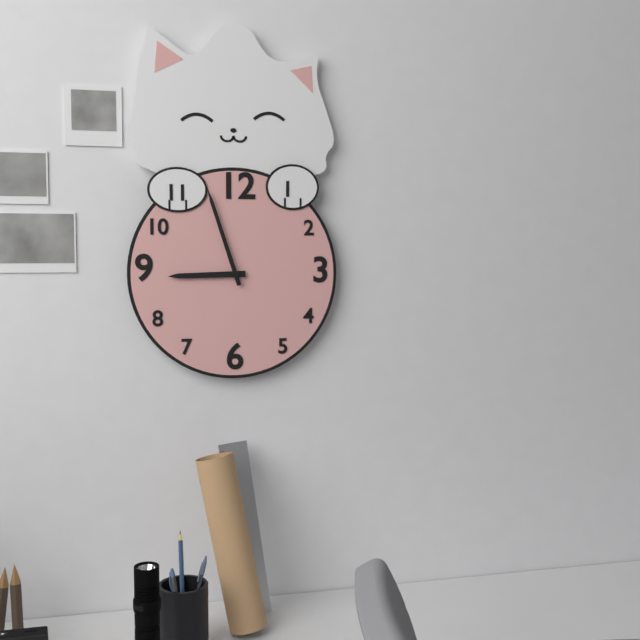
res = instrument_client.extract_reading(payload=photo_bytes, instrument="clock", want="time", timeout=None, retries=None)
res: 8:57
